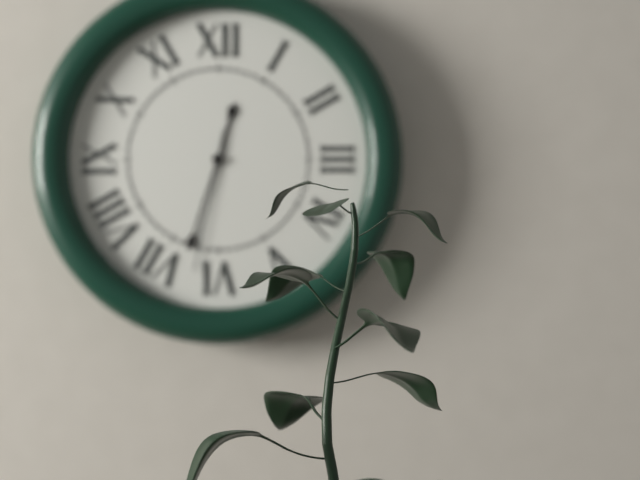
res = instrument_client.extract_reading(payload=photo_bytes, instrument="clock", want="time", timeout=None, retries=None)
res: 12:33:32
